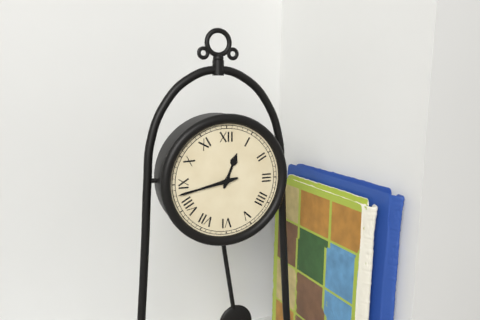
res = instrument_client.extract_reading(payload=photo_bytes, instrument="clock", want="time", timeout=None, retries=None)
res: 12:43
